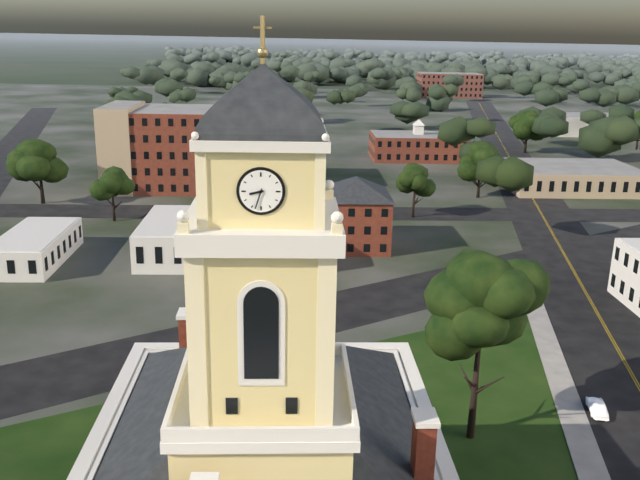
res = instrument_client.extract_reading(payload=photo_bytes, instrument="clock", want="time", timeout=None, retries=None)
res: 8:33
